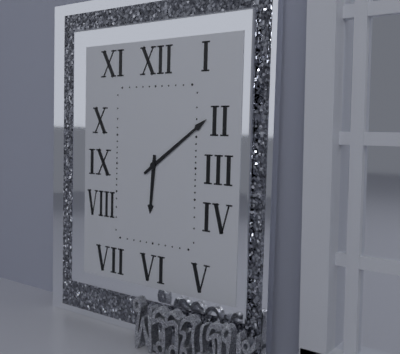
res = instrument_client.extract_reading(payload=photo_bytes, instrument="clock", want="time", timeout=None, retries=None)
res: 6:09
